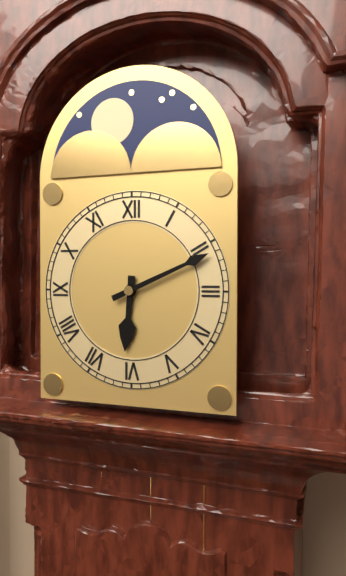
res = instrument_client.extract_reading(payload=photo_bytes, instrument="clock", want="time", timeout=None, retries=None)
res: 6:11
